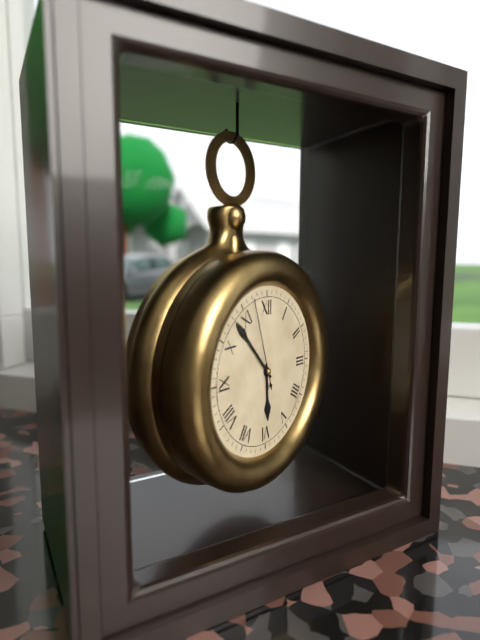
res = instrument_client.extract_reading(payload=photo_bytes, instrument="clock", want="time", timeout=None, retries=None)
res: 5:53:57
